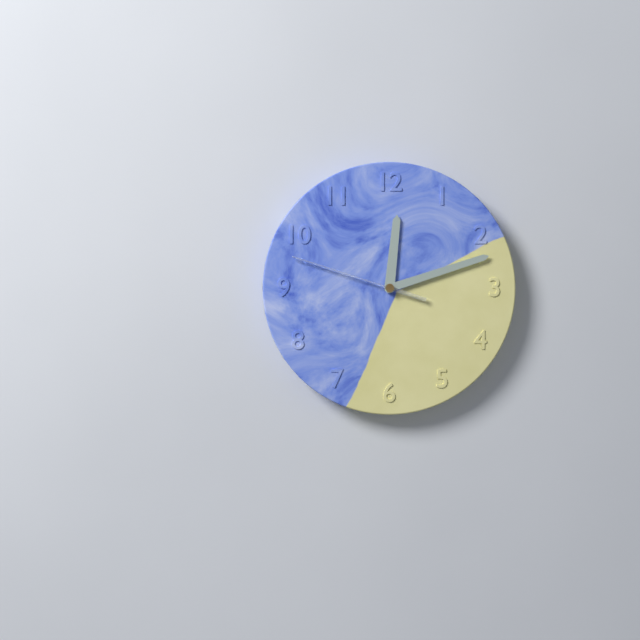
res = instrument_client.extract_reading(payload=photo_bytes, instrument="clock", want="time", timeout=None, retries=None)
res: 12:12:48
